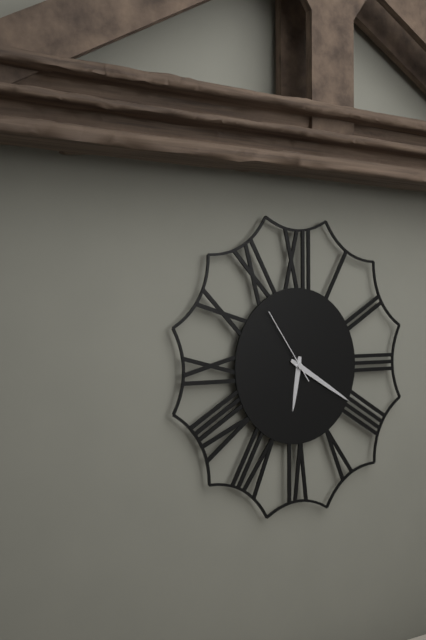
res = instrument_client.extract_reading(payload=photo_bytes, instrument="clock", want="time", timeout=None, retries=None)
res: 6:20:54
